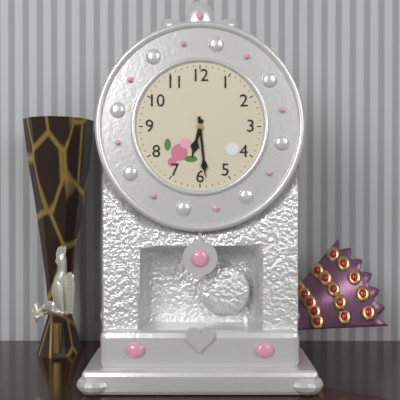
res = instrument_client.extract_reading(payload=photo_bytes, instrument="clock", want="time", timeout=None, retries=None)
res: 6:29
